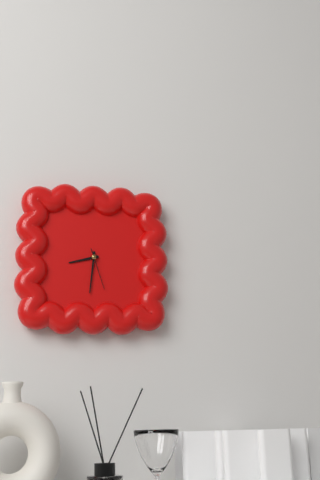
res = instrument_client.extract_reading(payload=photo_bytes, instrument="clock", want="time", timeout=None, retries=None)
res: 8:31
